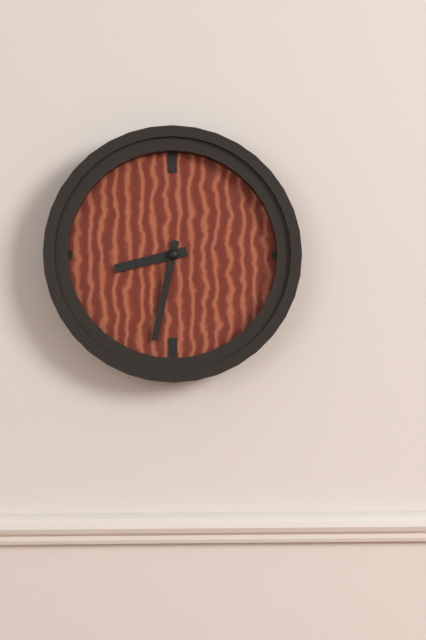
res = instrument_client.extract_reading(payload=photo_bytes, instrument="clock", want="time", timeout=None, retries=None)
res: 8:32
